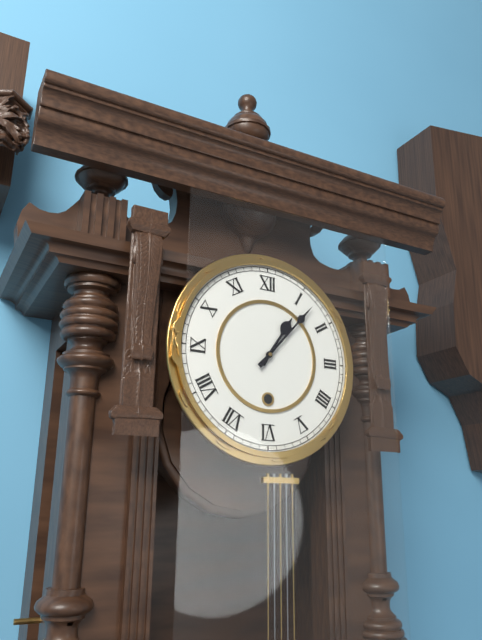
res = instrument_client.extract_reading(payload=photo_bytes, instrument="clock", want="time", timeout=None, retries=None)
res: 1:07
